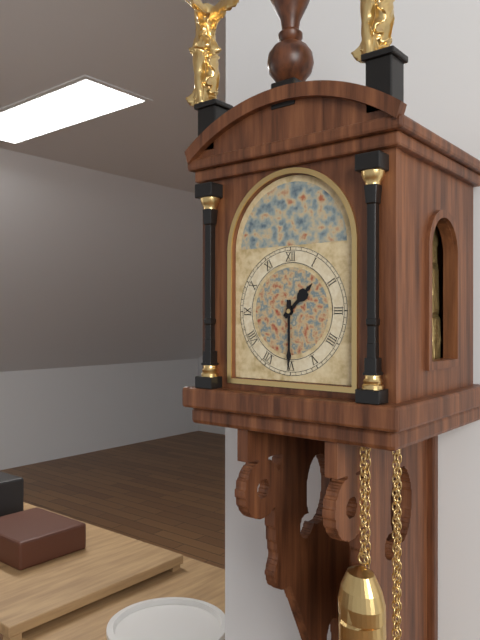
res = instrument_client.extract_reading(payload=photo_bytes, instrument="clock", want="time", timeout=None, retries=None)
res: 1:30
